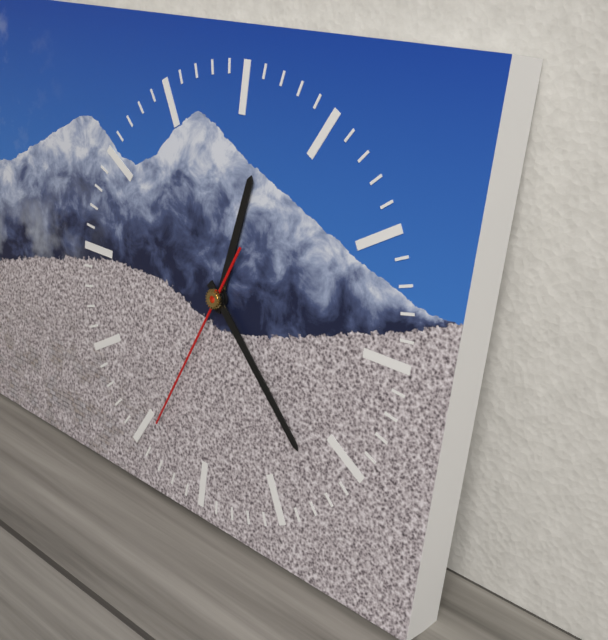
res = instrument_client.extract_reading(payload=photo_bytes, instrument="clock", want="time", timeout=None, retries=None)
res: 12:22:34
